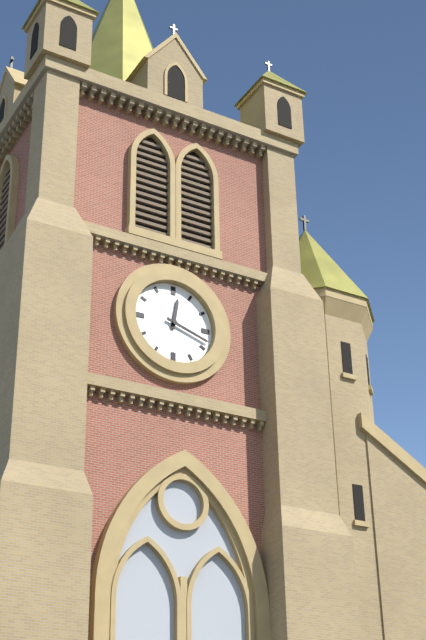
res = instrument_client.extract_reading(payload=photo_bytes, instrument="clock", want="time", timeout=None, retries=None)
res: 12:18
